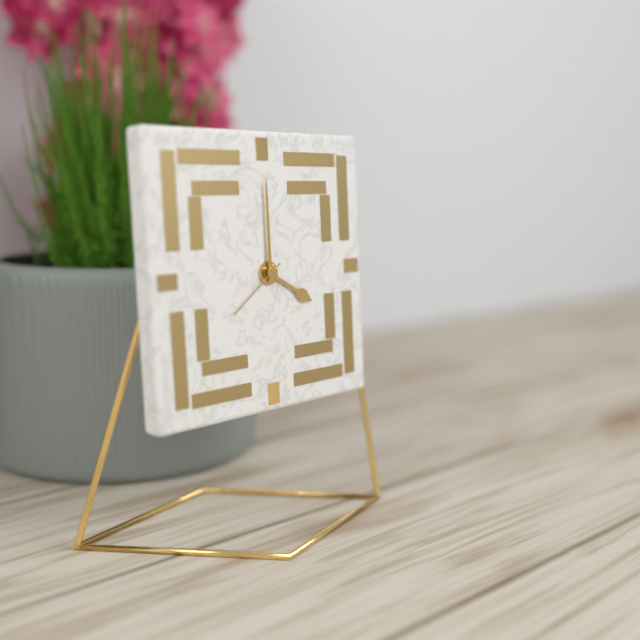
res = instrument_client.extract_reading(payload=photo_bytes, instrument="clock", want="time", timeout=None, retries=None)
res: 4:00:39
